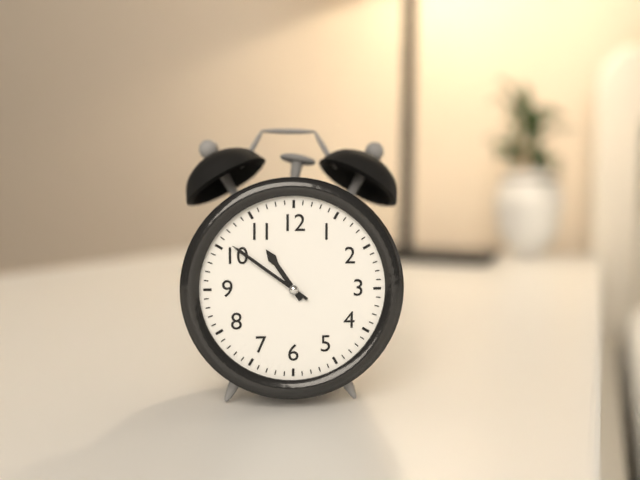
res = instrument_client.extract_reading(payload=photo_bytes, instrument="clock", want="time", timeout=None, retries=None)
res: 10:51
